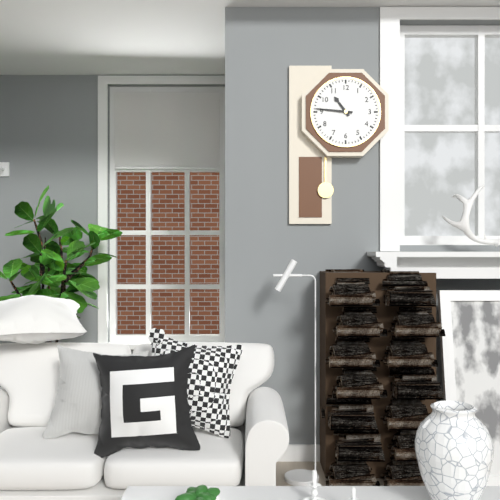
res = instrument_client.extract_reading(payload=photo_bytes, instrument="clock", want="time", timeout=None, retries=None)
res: 10:46
